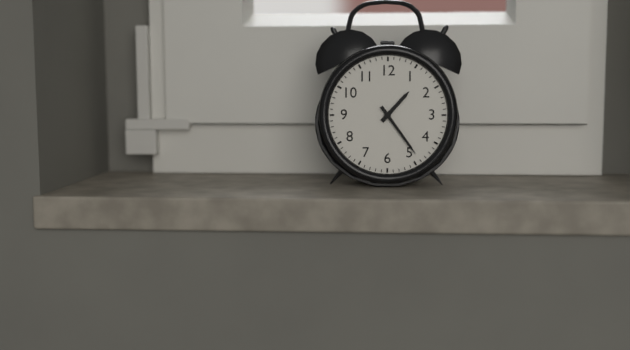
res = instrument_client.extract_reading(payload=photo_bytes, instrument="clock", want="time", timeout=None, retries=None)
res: 1:24
